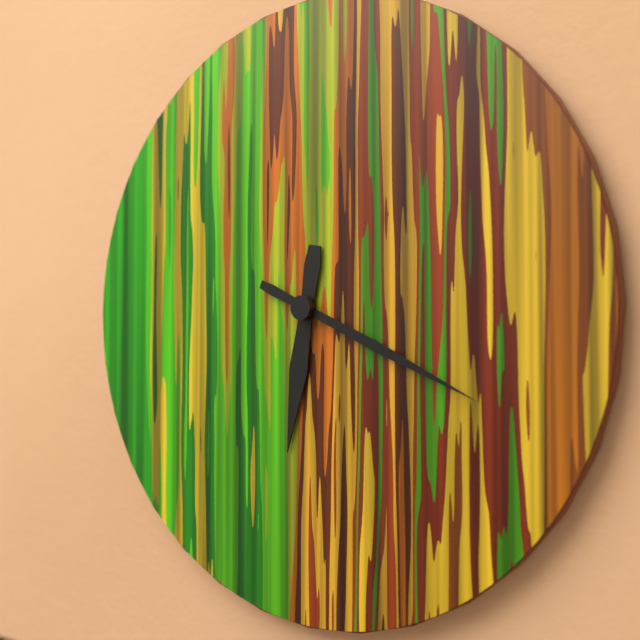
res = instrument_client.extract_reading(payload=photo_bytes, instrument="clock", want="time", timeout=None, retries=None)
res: 6:19
